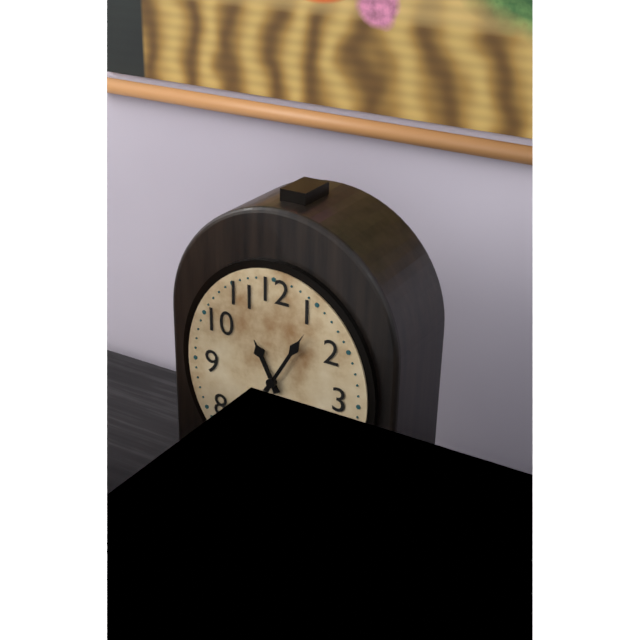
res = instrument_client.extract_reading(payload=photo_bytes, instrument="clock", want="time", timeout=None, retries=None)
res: 11:05
